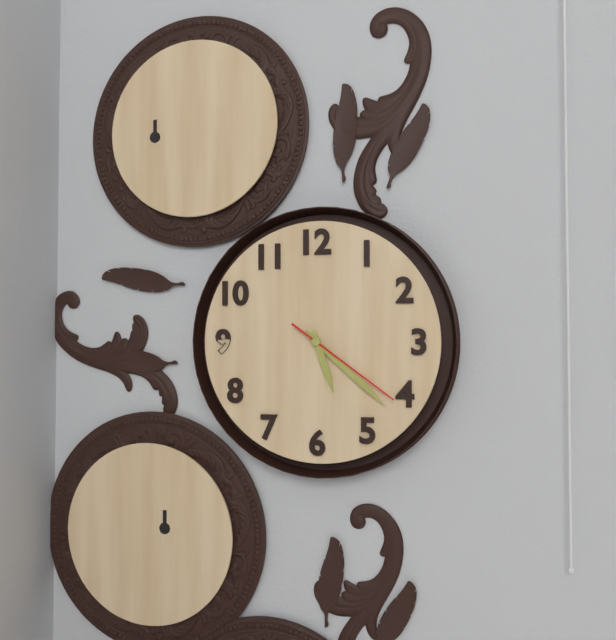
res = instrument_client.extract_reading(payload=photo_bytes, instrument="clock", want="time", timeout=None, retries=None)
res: 5:22:21
